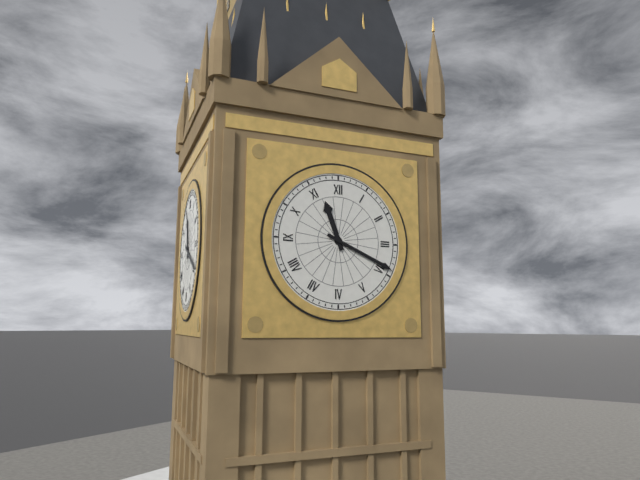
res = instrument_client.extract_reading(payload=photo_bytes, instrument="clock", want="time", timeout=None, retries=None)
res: 11:19
